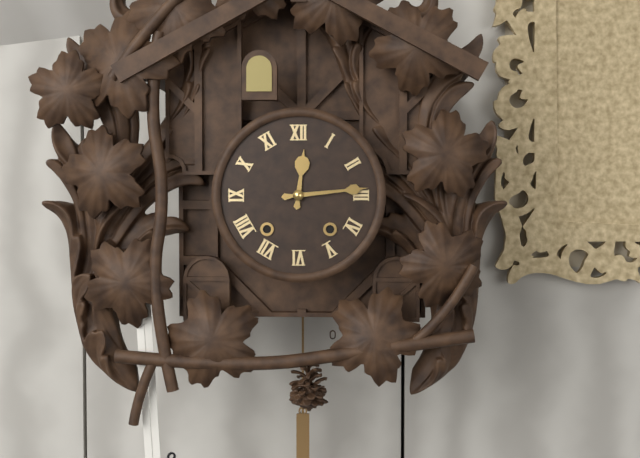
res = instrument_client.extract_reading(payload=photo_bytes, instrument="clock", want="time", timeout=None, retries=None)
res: 12:14
